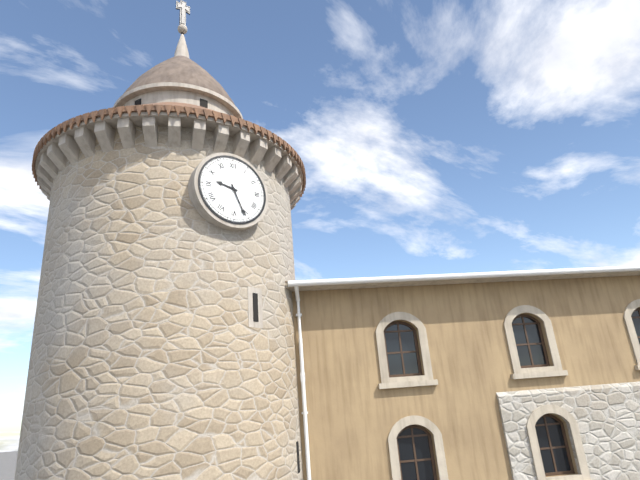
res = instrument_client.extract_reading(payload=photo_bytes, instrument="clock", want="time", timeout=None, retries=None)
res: 9:26
